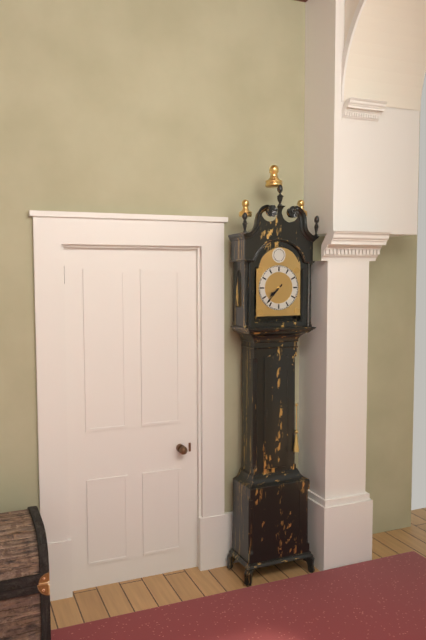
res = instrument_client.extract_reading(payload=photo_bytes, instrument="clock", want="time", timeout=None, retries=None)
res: 7:37
